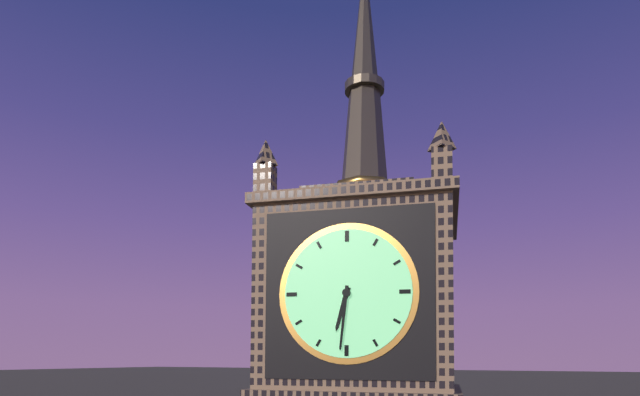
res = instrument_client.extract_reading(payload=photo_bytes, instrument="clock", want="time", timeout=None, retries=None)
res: 6:31
